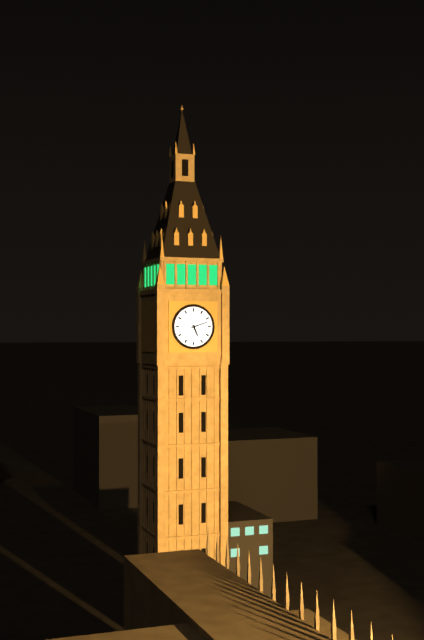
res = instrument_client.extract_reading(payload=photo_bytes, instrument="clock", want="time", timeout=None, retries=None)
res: 5:12
